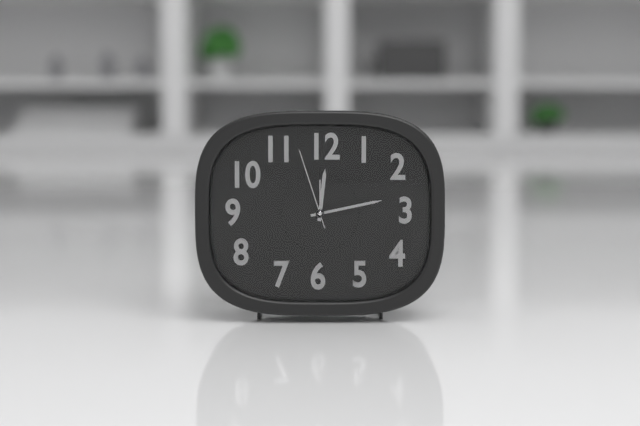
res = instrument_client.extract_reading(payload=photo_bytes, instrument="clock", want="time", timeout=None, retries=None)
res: 12:13:57
